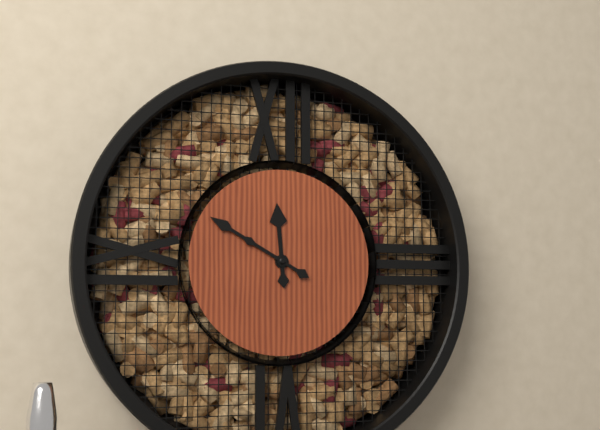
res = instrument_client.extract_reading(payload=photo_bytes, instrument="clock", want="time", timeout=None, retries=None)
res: 11:50
